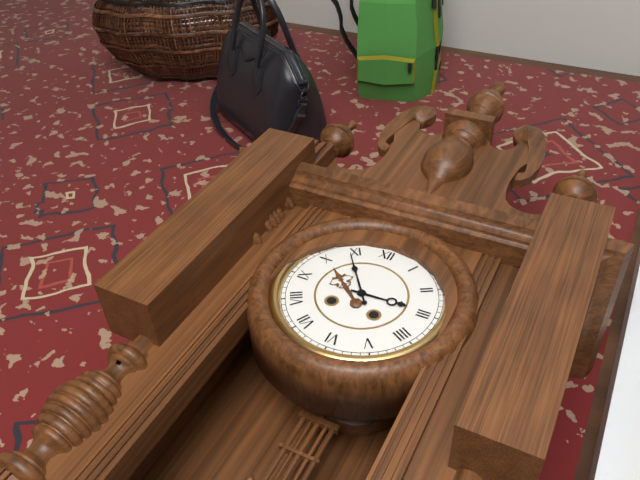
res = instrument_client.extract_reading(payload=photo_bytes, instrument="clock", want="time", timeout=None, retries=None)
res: 2:54
